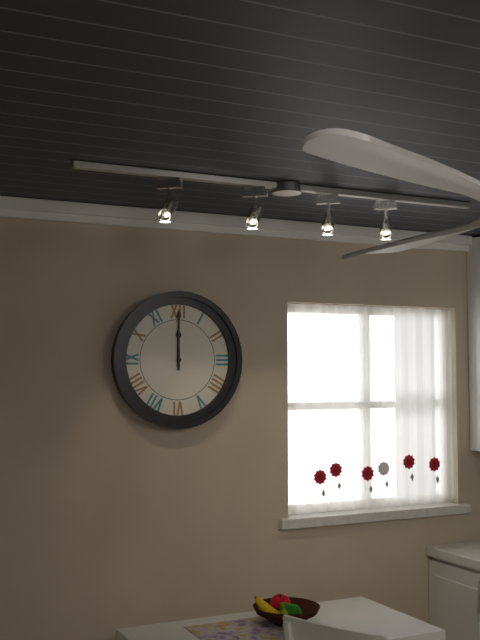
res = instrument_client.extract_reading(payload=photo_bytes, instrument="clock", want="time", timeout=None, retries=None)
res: 12:00
